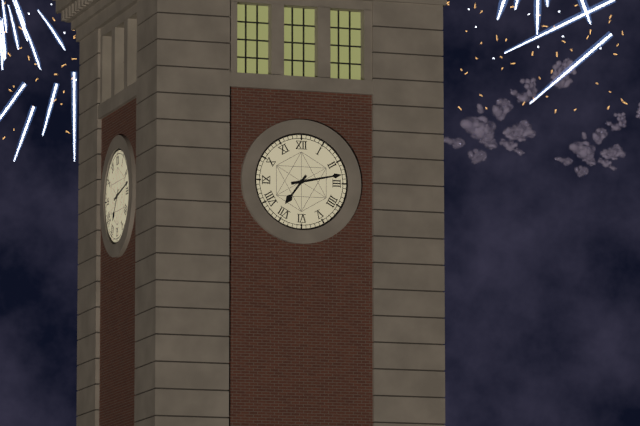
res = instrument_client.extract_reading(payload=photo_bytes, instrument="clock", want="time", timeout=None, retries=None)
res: 7:13
